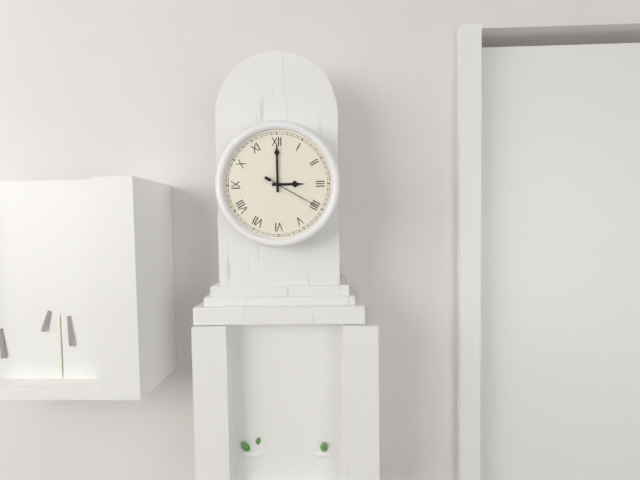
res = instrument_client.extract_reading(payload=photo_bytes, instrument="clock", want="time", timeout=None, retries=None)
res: 3:00:20
